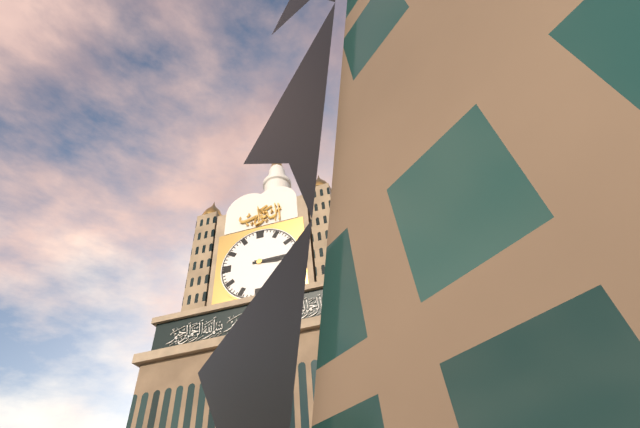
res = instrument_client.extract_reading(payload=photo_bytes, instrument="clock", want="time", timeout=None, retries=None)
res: 3:15
